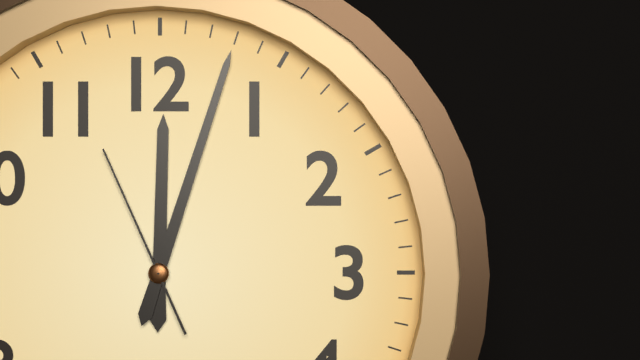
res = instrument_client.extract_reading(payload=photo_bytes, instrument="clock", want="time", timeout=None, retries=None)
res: 12:03:56
